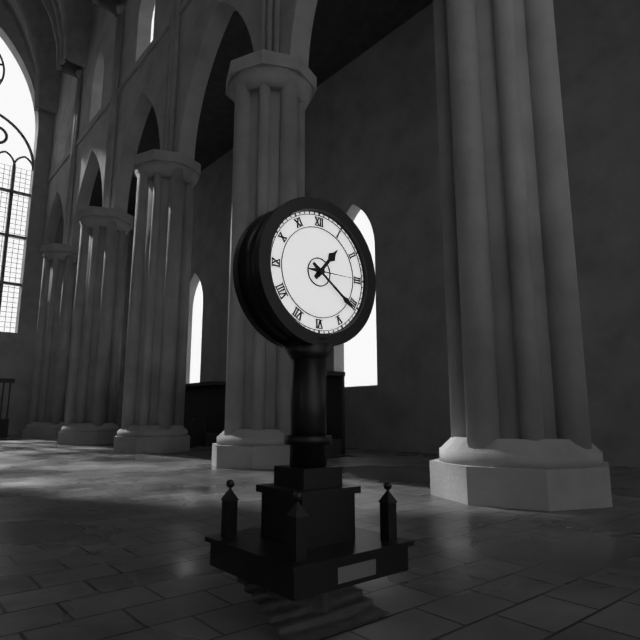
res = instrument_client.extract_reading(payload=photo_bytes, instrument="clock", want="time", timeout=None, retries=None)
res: 1:21:15
